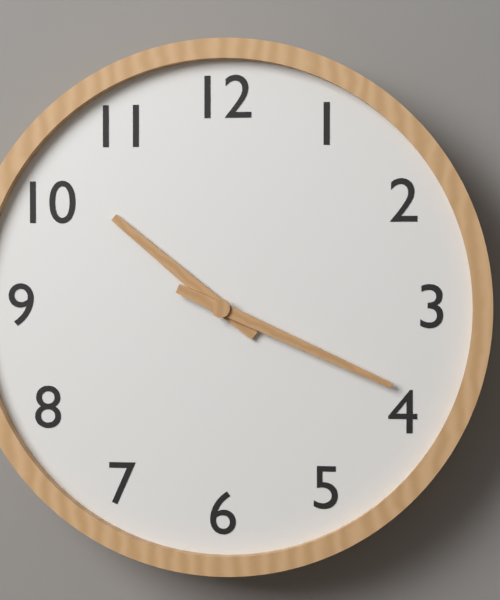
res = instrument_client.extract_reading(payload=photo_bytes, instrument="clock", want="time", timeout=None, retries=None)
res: 10:19
